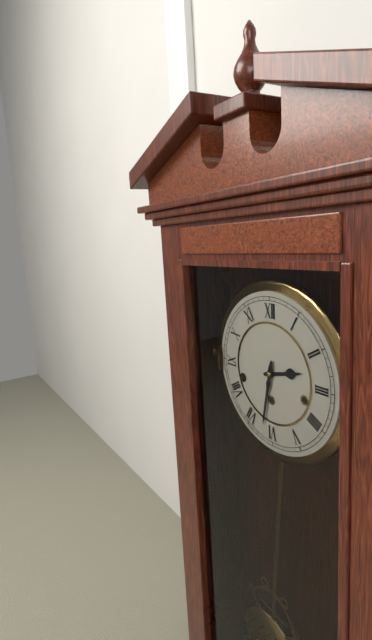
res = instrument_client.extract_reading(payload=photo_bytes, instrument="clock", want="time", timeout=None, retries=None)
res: 2:32
